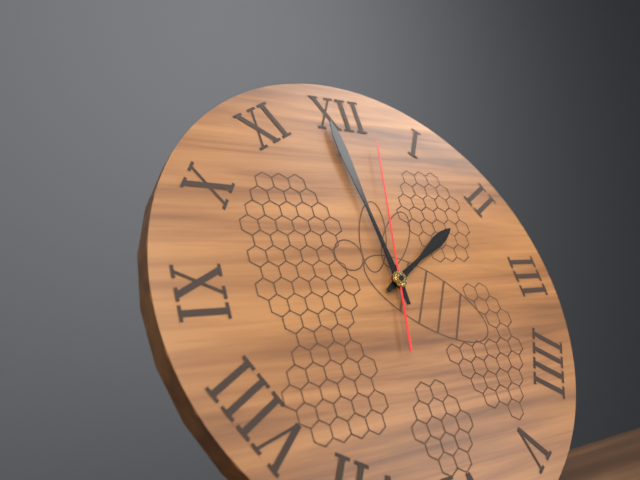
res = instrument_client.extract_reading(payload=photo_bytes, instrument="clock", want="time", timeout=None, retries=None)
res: 1:59:02
